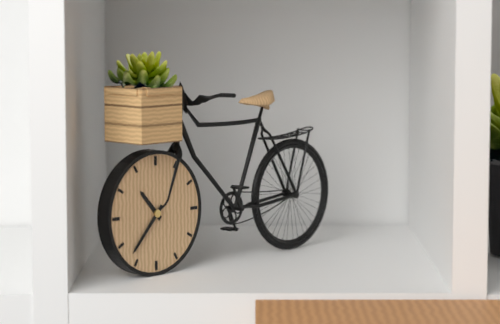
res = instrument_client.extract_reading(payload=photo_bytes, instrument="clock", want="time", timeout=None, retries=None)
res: 10:37
